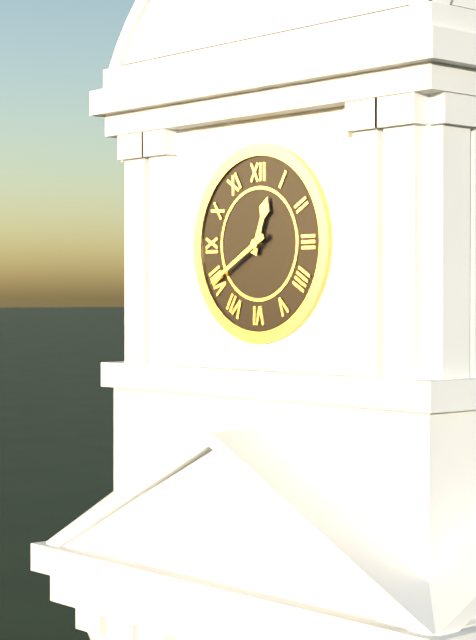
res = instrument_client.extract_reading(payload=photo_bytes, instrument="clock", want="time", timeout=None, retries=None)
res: 12:40
